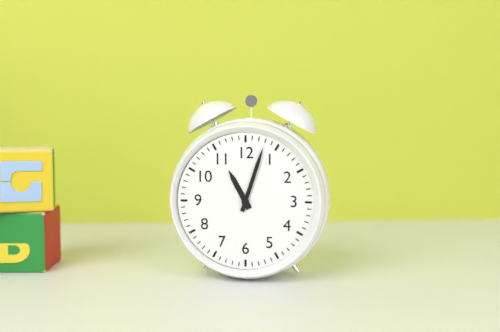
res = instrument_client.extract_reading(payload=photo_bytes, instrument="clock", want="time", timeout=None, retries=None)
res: 11:03
